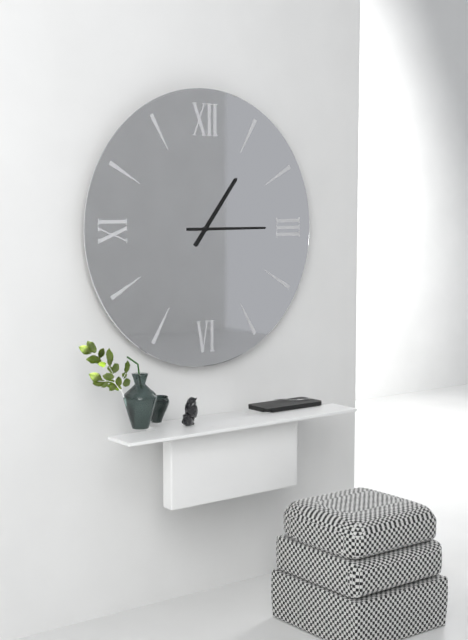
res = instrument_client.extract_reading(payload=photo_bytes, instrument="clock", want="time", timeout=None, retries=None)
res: 1:15
